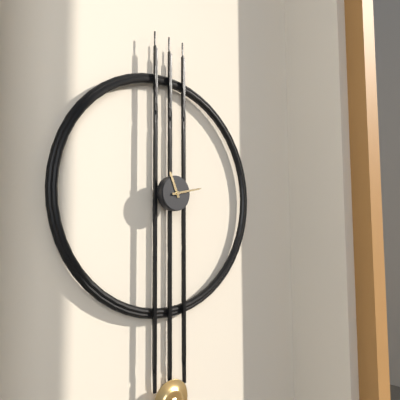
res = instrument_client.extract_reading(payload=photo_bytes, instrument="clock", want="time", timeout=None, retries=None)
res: 11:13
